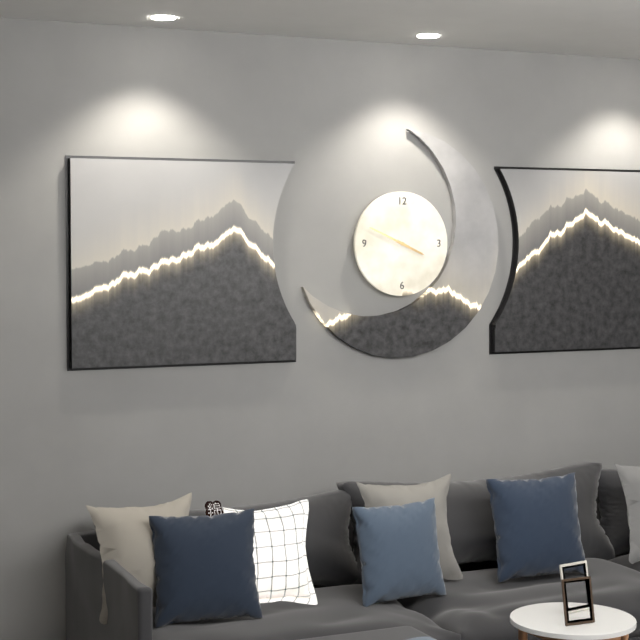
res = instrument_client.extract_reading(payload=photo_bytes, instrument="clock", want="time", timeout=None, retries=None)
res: 3:49
